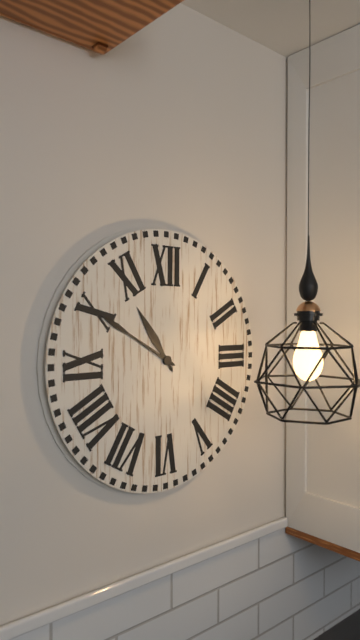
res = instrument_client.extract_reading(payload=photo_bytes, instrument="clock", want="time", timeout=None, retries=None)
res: 10:50
